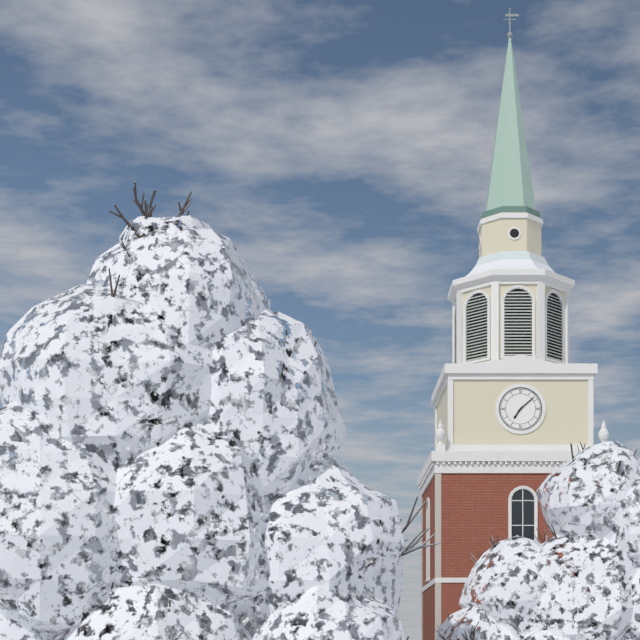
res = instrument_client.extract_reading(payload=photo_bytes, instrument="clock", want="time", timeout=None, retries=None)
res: 7:08
